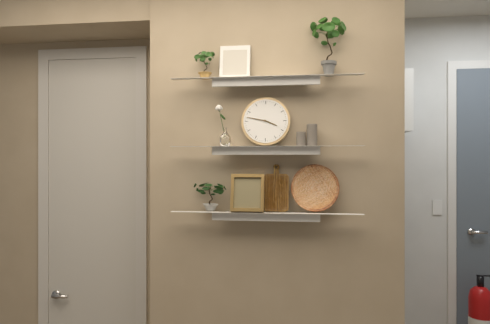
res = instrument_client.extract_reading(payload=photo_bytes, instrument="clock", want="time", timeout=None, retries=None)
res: 3:47
